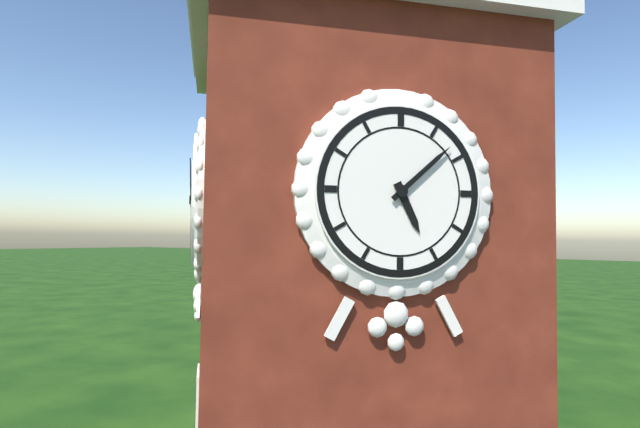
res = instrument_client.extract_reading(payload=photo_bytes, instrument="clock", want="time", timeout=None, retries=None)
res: 5:08
